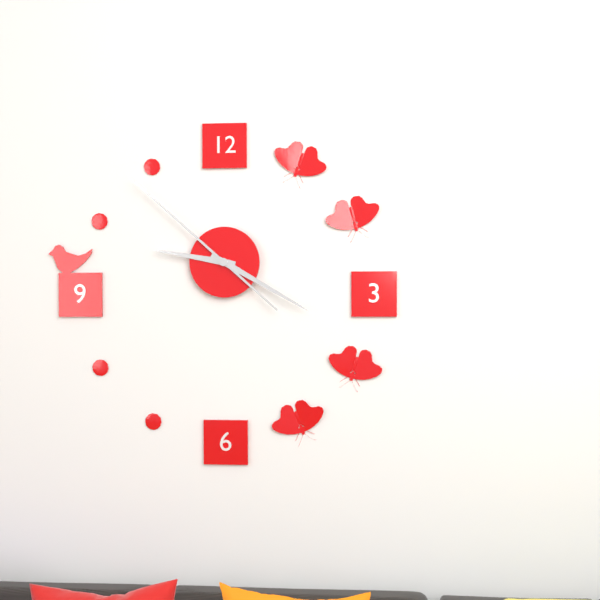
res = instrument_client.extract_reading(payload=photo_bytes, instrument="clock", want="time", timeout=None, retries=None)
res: 9:20:52
